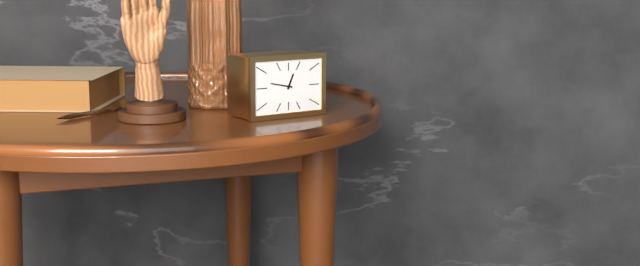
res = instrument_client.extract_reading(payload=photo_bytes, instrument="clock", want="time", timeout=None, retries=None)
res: 12:47
